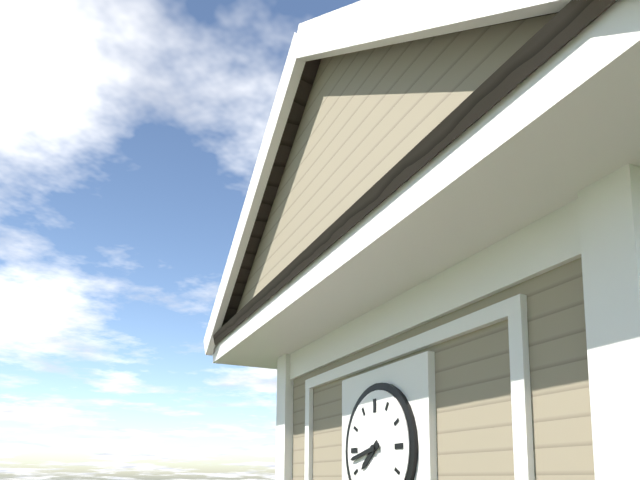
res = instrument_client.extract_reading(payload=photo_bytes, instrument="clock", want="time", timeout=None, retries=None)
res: 7:43
